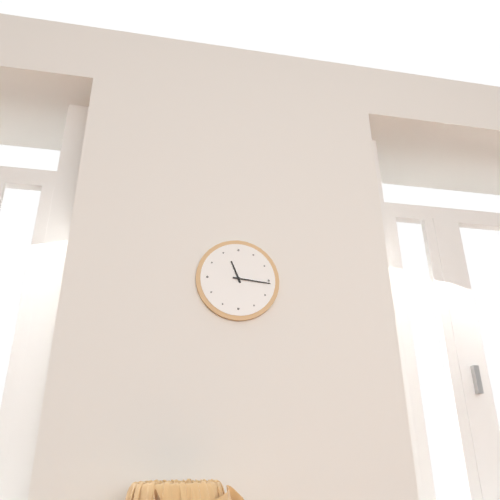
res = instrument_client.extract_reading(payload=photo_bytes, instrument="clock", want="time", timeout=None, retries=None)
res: 11:16
